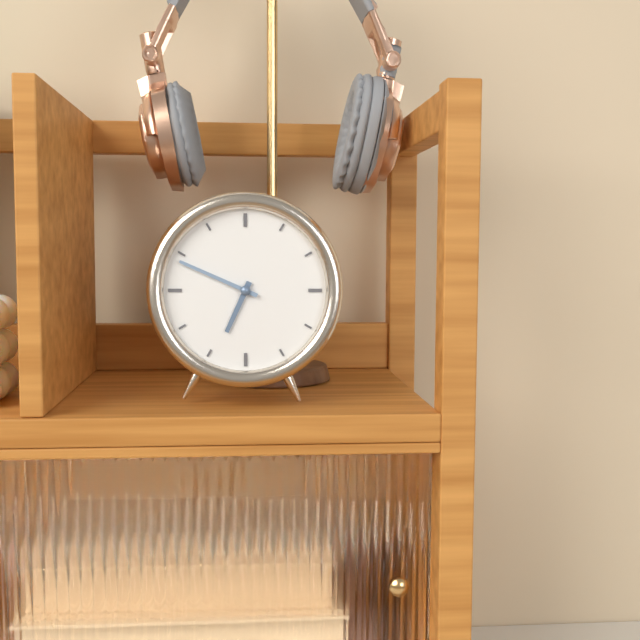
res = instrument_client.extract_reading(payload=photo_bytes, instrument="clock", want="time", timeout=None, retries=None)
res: 6:49
